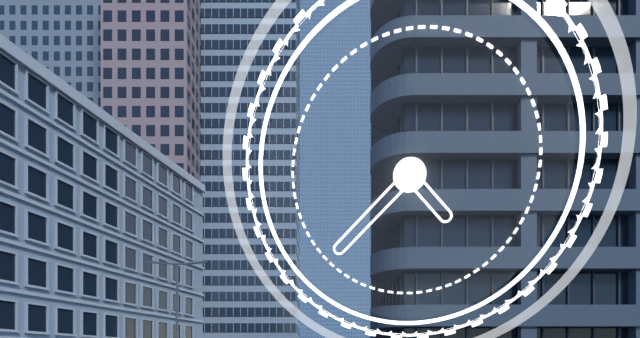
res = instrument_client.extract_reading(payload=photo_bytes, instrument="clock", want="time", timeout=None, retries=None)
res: 4:38
